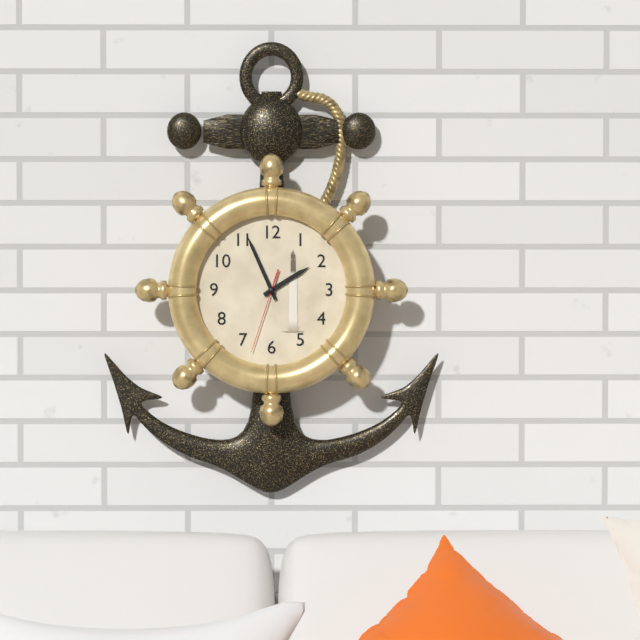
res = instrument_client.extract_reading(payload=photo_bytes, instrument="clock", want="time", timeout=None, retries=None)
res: 1:56:33
